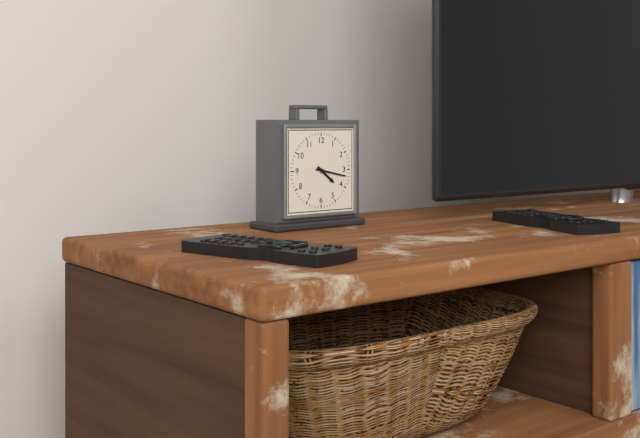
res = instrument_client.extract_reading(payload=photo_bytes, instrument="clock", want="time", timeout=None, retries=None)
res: 4:17
